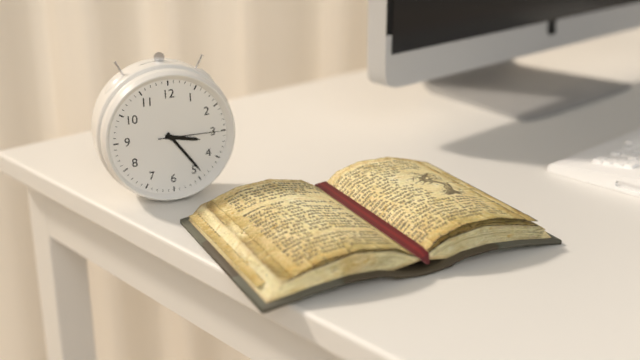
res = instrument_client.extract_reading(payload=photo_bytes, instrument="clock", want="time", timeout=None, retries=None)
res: 3:24:15
